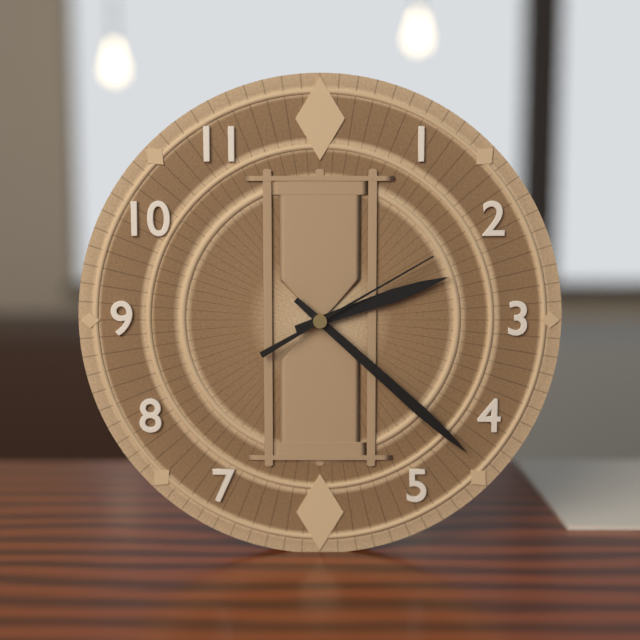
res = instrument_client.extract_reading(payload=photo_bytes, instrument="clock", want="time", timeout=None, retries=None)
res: 2:22:10
